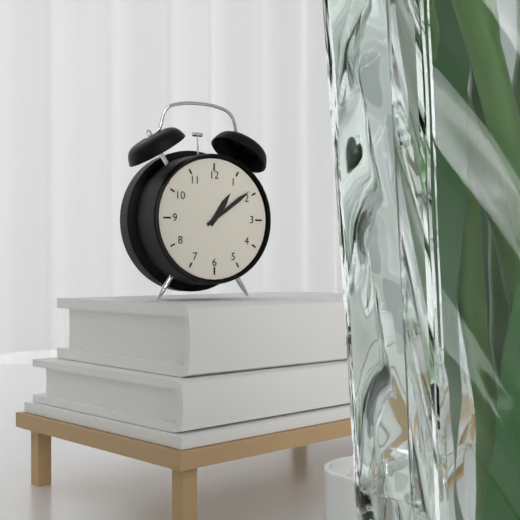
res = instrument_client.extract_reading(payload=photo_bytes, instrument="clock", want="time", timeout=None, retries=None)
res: 1:09
